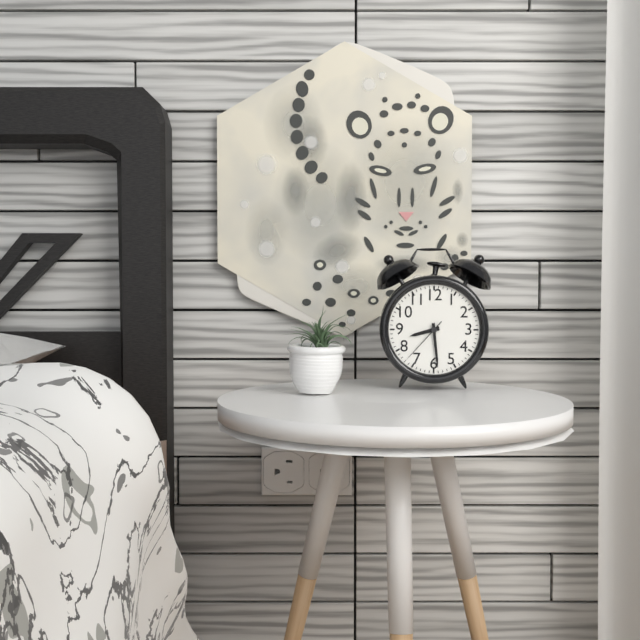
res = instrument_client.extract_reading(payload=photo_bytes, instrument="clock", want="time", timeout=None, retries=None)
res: 8:29:37
